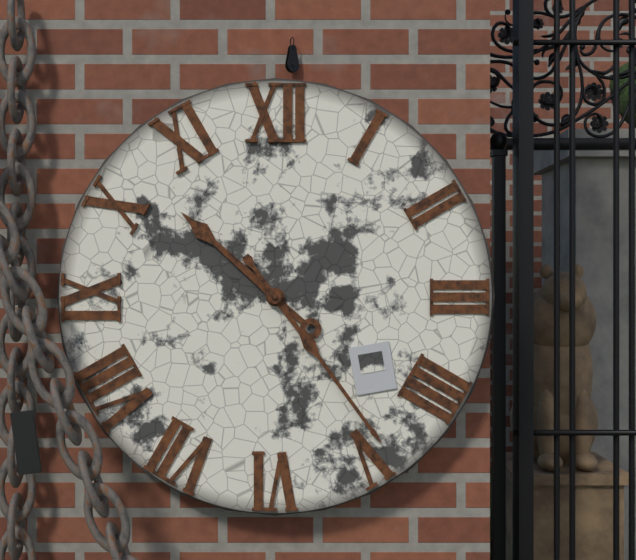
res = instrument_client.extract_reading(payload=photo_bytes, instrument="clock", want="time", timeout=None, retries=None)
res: 10:24
